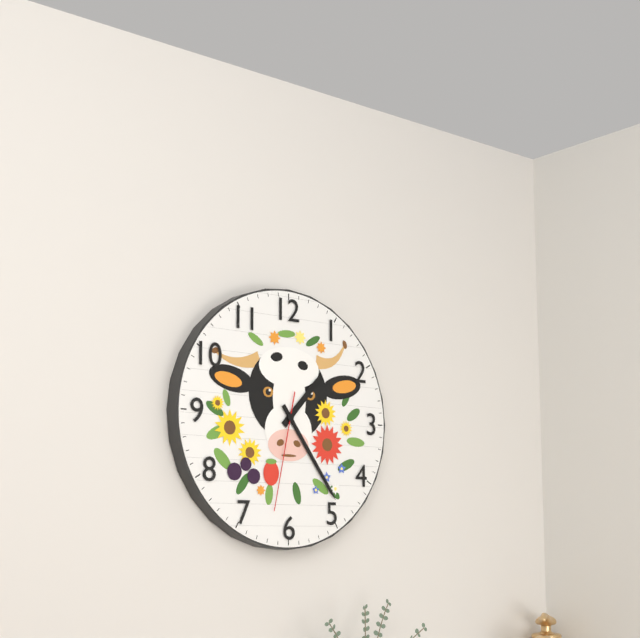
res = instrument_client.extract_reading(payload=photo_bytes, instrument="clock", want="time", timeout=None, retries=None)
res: 1:24:32
